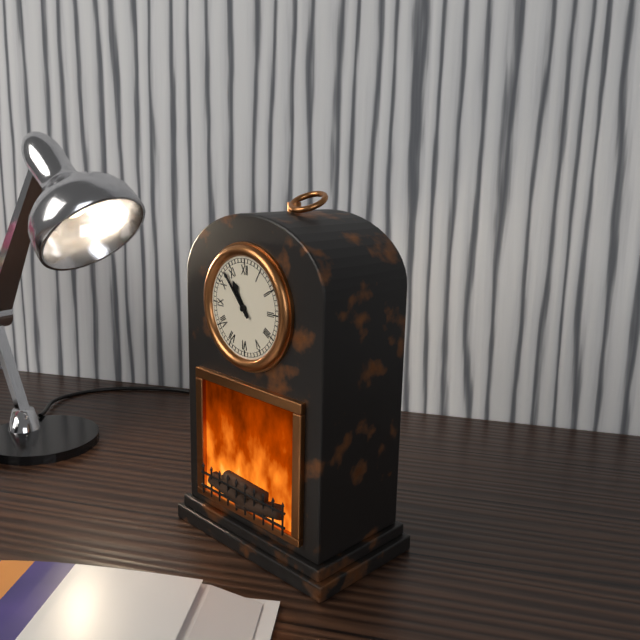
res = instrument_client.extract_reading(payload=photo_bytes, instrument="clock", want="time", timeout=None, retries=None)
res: 10:53
